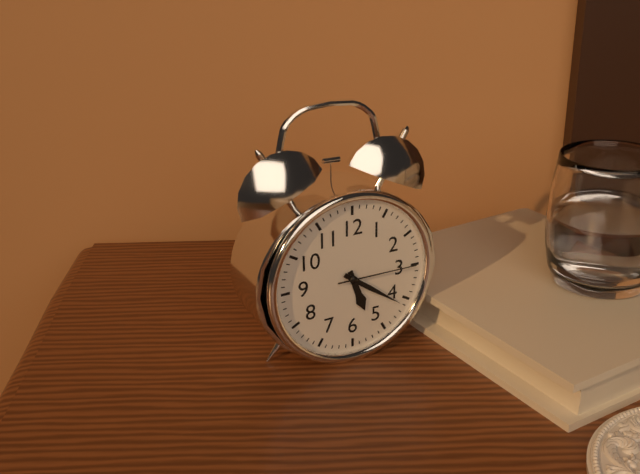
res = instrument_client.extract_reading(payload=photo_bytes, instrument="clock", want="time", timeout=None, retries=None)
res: 5:21:15
